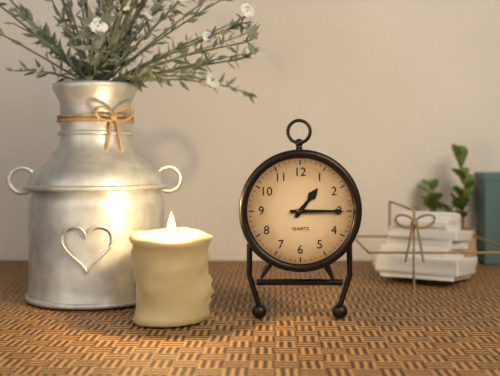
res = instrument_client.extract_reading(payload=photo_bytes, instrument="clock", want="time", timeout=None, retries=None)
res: 1:15
